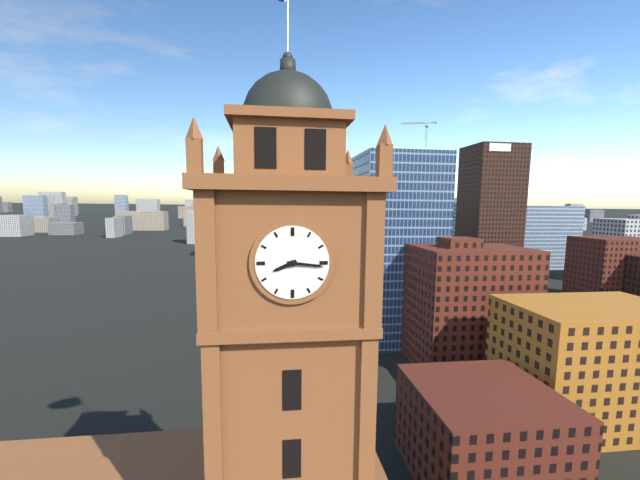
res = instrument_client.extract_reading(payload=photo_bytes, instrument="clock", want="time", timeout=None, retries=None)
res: 8:16
